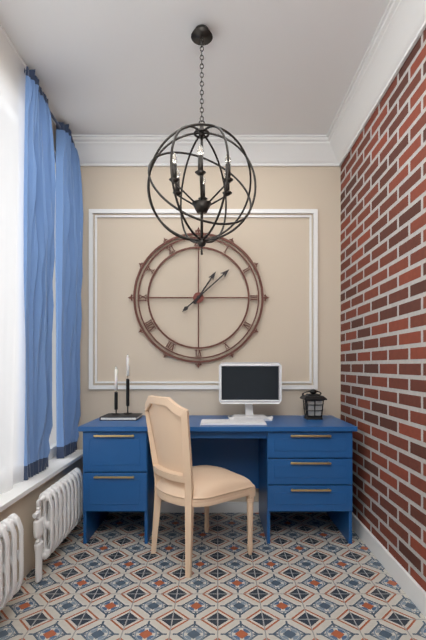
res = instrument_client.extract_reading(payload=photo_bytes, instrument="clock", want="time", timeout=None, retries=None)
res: 1:08
